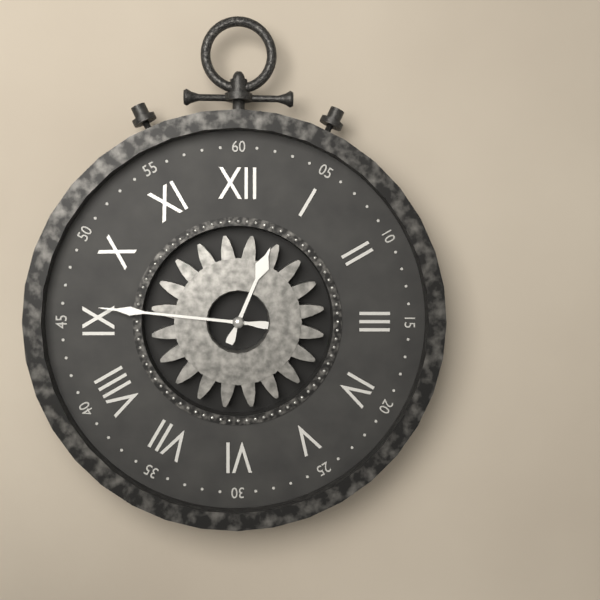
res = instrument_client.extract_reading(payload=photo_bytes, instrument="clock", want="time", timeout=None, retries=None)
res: 12:46
